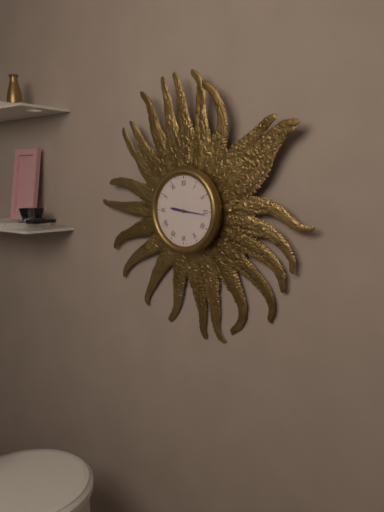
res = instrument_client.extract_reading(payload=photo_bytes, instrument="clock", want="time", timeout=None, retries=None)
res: 9:16
